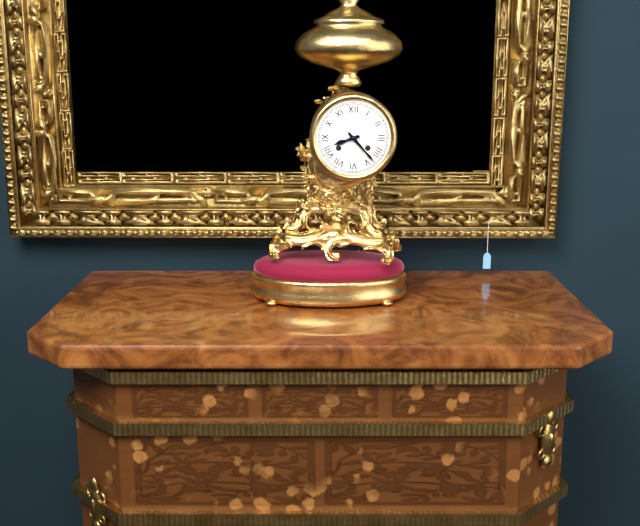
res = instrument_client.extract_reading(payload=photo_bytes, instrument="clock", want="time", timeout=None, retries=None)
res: 8:23
